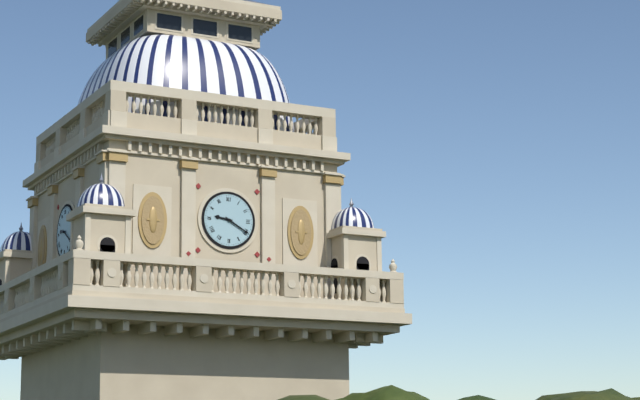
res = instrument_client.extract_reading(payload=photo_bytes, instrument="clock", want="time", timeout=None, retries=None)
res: 9:20
